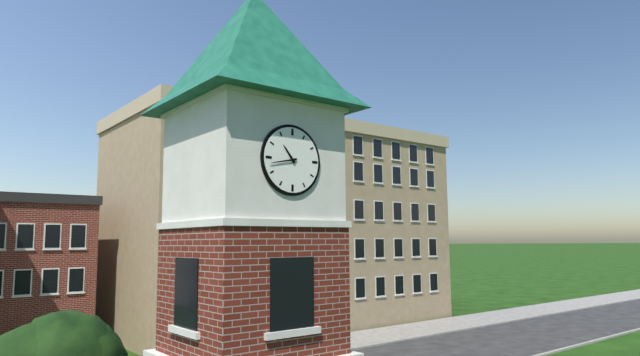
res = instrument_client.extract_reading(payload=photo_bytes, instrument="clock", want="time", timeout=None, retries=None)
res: 10:43
